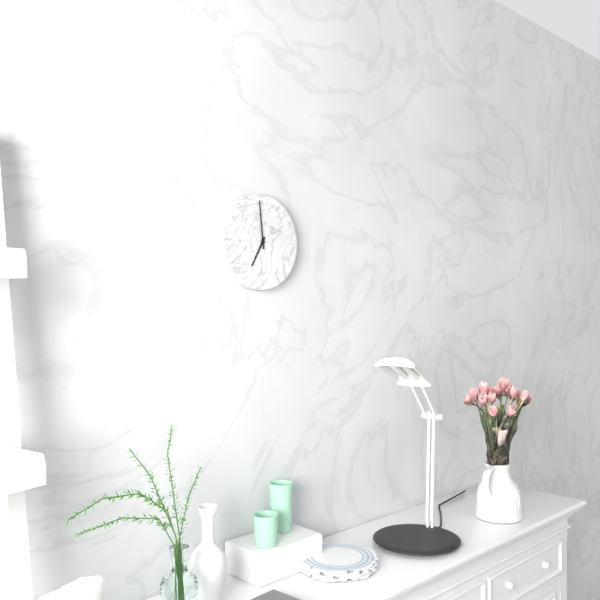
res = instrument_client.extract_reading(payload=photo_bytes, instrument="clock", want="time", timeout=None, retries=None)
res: 6:59
